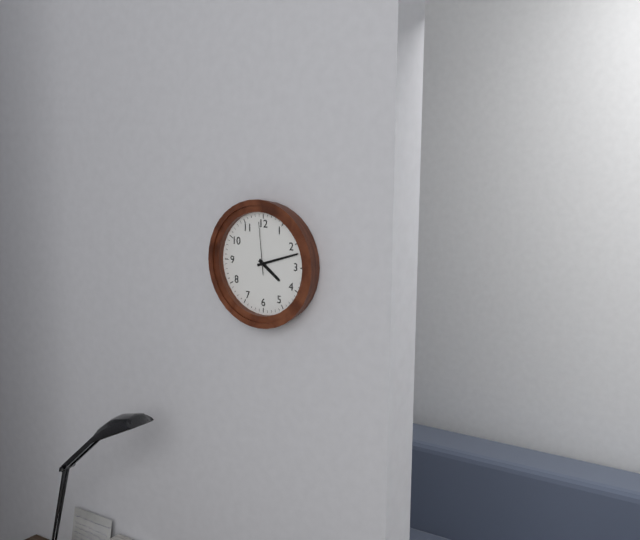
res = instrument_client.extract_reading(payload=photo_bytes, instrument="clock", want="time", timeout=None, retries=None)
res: 4:12:59
